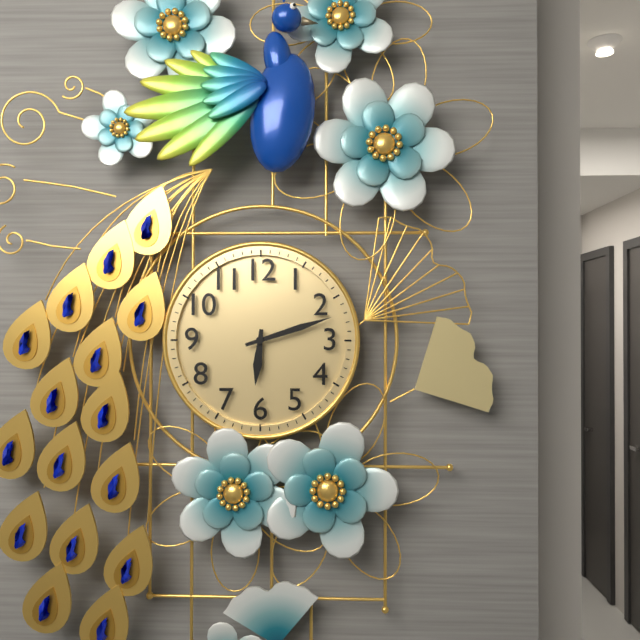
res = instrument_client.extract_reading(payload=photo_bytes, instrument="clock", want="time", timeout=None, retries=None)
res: 6:12
